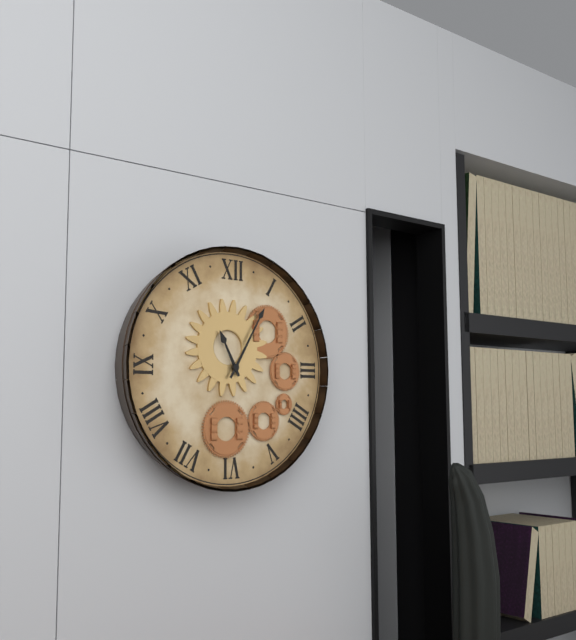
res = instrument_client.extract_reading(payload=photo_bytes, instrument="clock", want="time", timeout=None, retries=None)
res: 11:05
